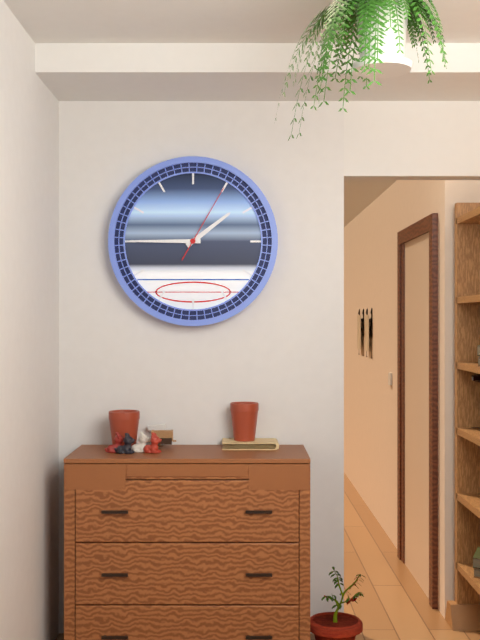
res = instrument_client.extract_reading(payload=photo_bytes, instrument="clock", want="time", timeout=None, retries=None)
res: 1:45:05
